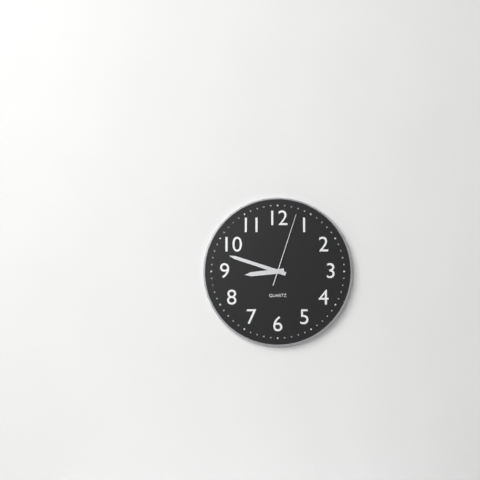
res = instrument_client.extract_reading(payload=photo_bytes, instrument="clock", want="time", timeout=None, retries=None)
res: 8:48:03
